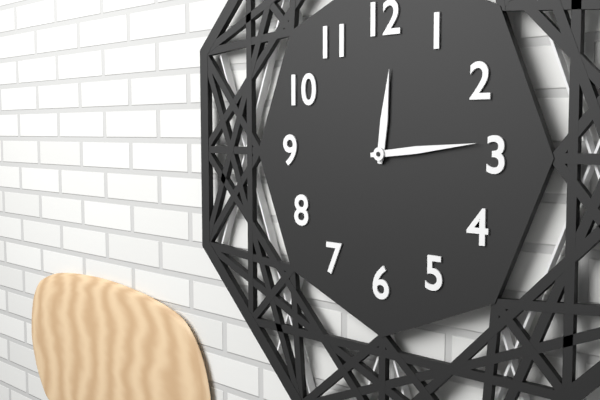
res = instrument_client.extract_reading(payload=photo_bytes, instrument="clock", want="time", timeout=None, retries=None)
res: 12:14
